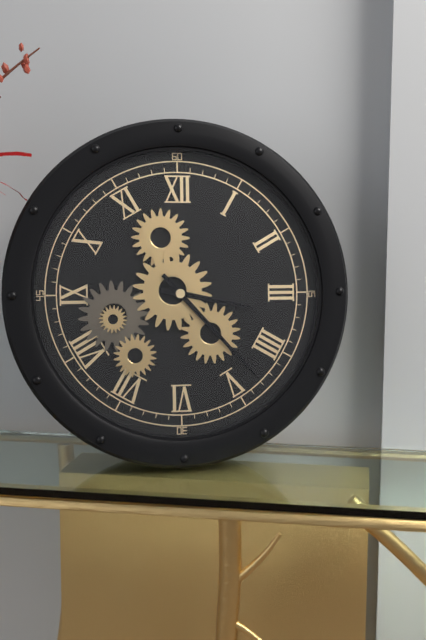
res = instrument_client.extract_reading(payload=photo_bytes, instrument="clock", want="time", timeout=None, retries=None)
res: 3:23
